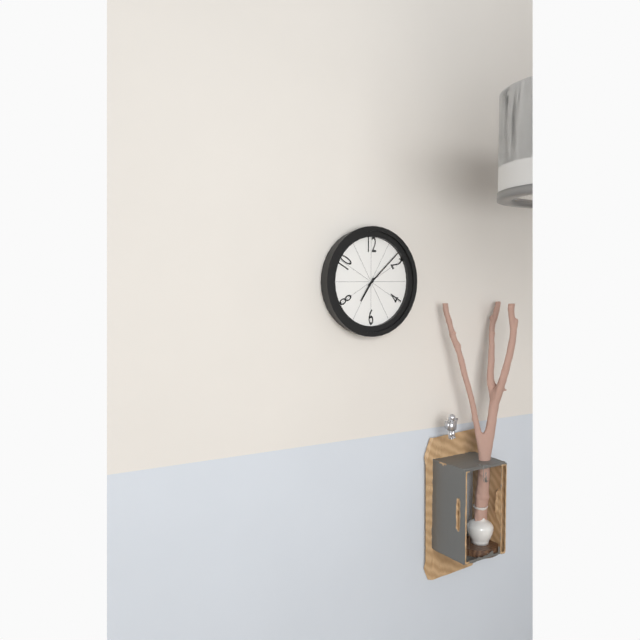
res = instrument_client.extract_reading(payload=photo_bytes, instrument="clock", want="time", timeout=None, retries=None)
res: 7:08
